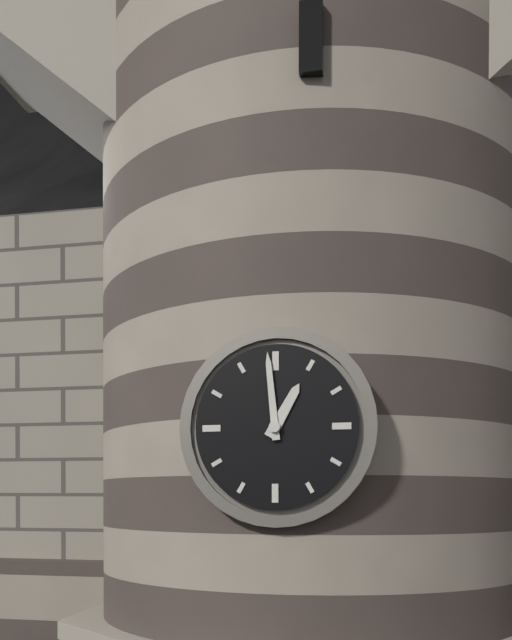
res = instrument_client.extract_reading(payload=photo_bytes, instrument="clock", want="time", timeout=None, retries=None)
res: 12:59
